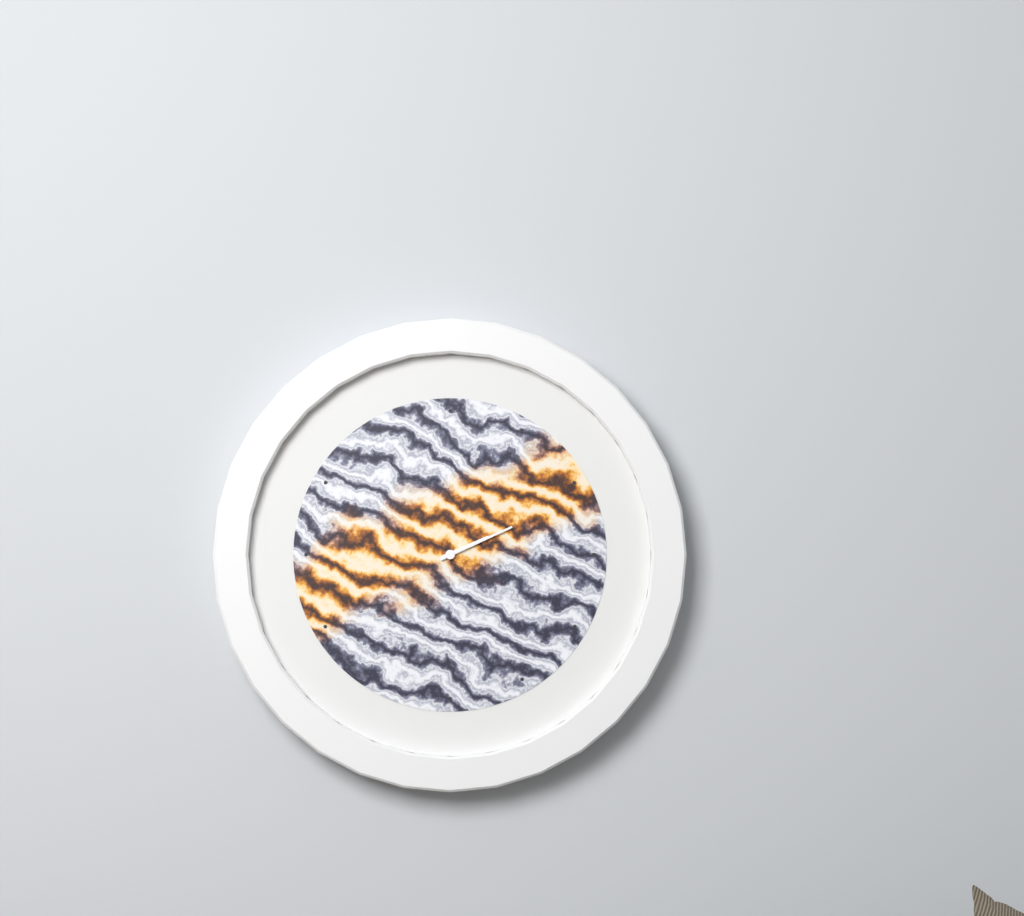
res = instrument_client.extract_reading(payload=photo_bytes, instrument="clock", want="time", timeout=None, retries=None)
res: 2:11
